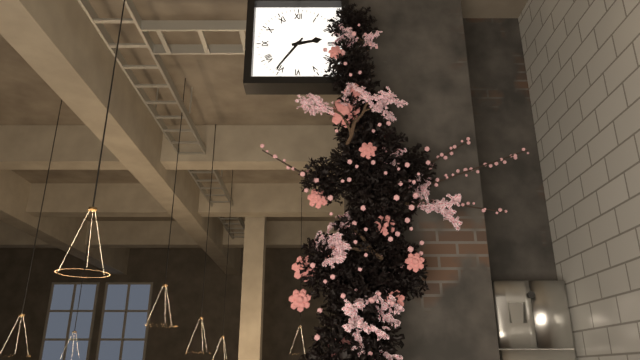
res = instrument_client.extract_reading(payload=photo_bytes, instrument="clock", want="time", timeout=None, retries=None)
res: 2:36
